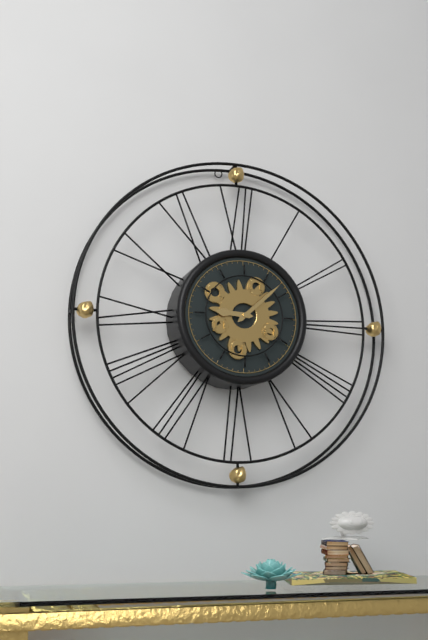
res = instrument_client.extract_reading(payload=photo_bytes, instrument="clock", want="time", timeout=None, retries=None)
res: 9:08
